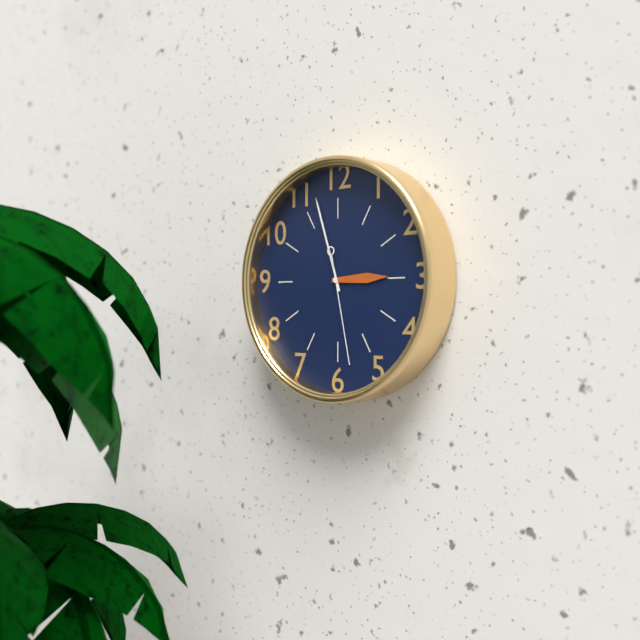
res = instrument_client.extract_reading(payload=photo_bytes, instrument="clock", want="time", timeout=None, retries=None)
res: 2:57:28
